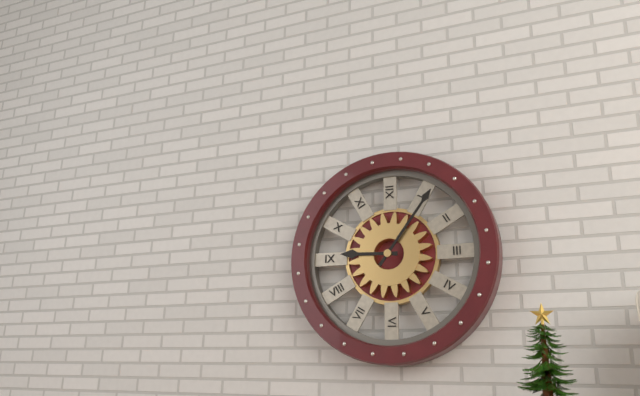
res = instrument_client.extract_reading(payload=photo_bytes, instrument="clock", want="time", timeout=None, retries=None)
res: 9:06
